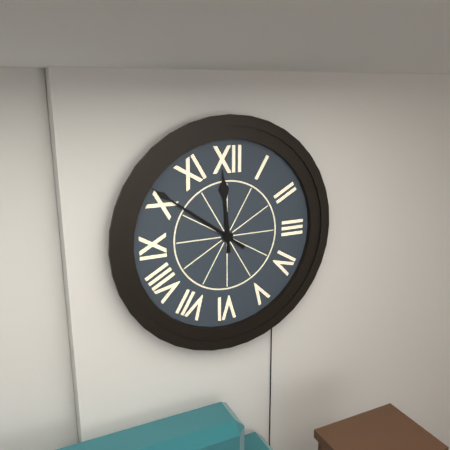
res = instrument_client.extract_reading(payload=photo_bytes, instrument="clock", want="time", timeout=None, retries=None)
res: 11:51
